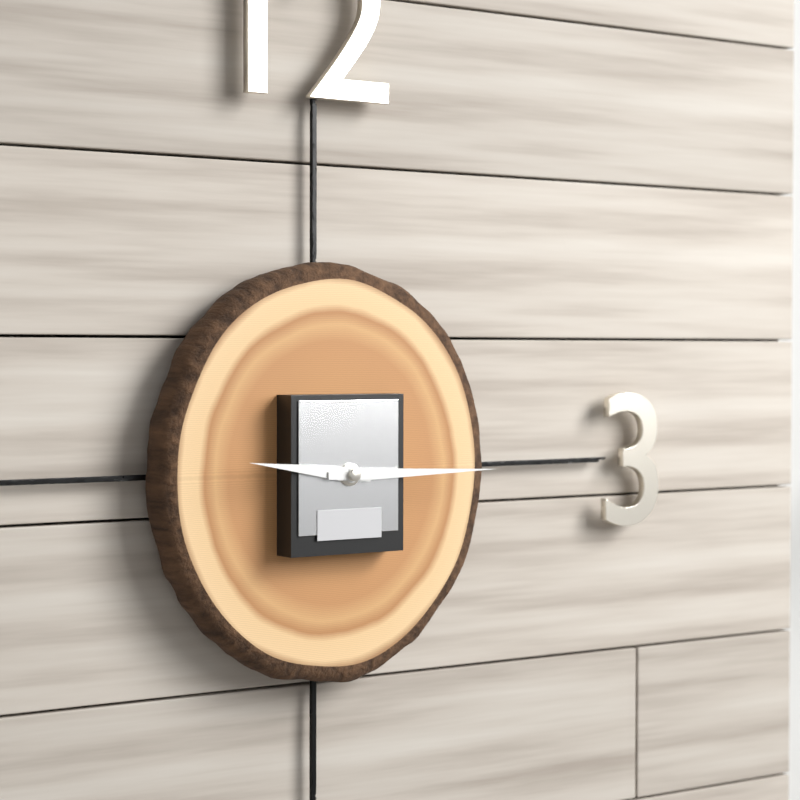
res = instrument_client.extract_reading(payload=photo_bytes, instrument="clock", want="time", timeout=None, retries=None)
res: 9:15
